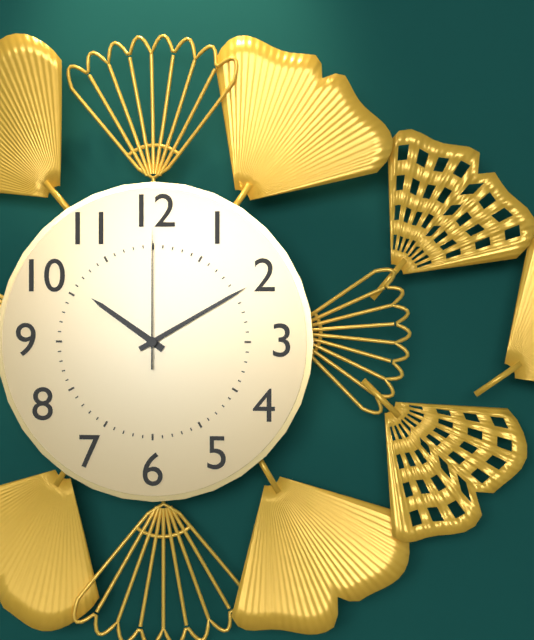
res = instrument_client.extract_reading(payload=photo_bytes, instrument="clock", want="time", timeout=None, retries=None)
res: 10:10:00
